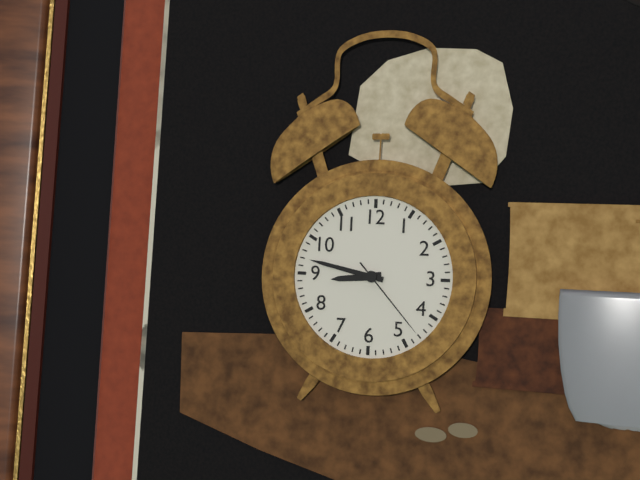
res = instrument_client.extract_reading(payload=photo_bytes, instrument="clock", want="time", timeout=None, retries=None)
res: 8:47:23
